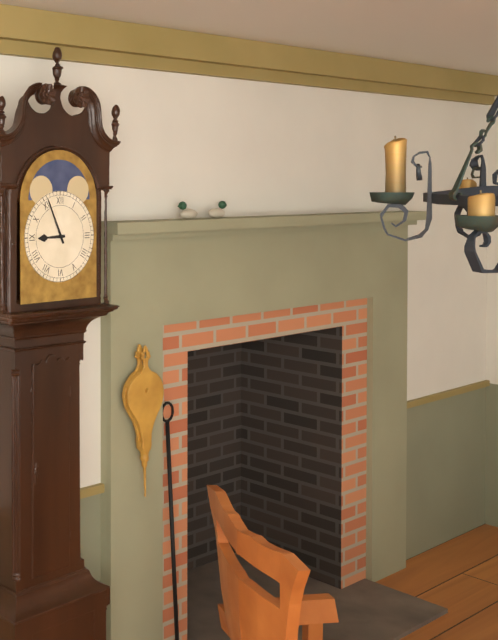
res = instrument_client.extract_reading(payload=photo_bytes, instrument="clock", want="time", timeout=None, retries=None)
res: 8:56
